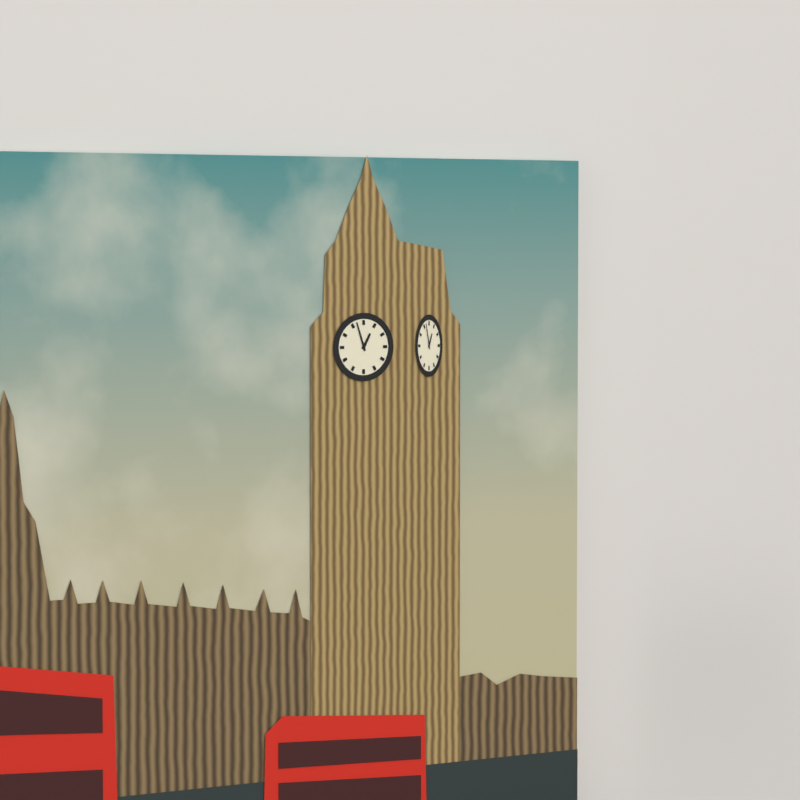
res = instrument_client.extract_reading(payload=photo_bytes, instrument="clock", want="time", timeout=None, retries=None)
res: 12:57
